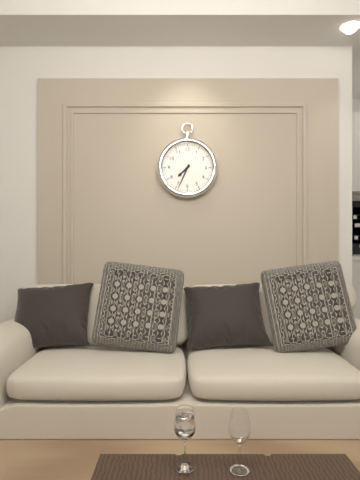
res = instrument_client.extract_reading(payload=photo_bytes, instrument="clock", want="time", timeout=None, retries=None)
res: 7:34
